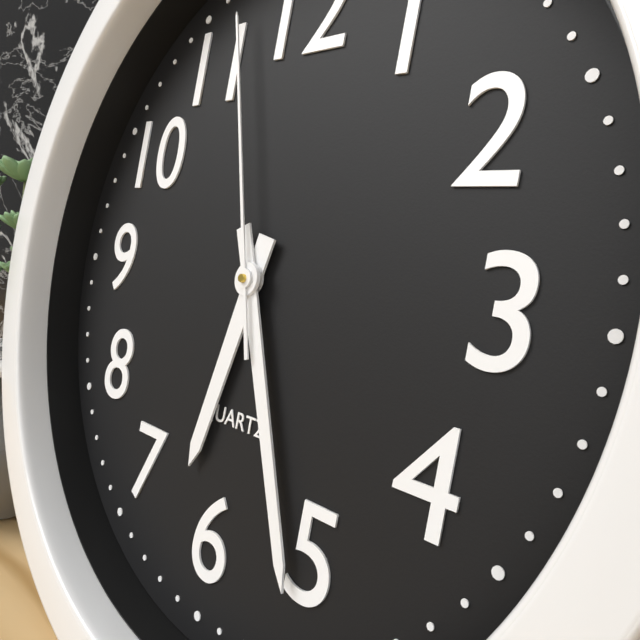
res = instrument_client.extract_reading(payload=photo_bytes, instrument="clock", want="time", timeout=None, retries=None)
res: 6:26:57
